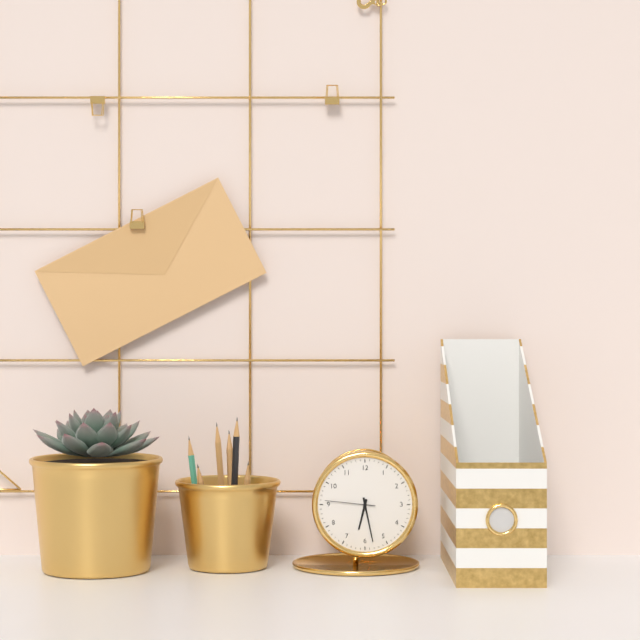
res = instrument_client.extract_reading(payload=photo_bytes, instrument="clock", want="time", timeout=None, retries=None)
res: 6:28:46
